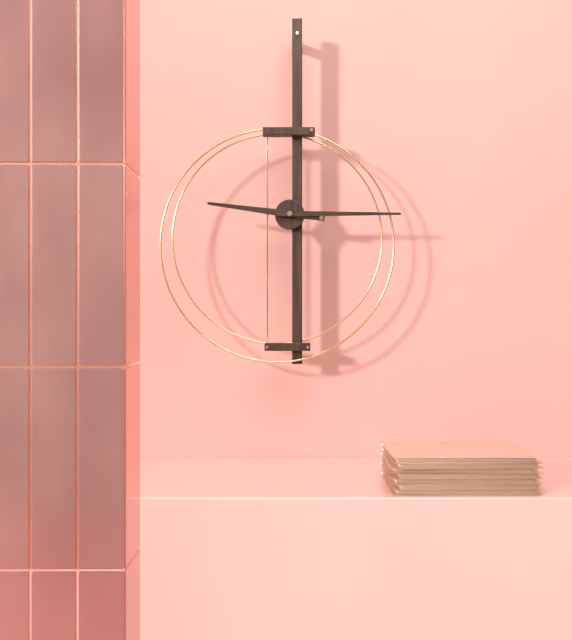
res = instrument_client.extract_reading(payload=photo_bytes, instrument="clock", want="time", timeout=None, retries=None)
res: 9:15
